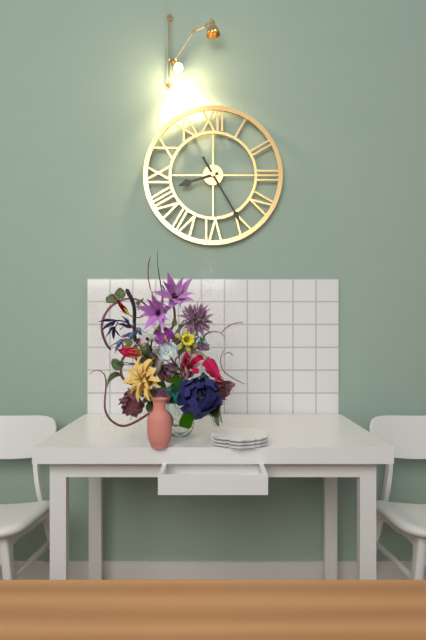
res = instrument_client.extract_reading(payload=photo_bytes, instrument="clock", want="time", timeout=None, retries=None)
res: 8:25
